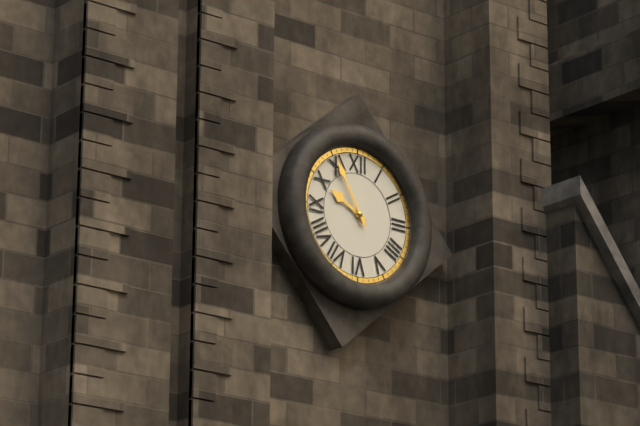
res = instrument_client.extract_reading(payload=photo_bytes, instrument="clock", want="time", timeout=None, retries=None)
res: 9:55
